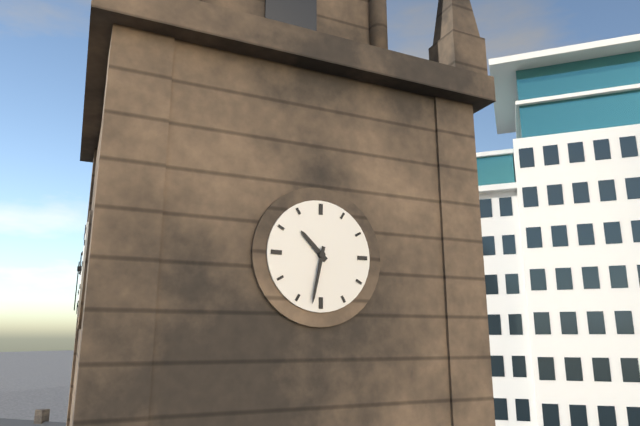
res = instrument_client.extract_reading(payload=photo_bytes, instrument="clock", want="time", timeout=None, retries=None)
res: 10:32
